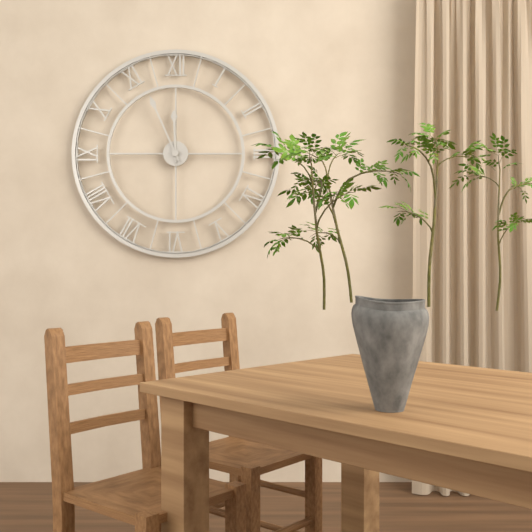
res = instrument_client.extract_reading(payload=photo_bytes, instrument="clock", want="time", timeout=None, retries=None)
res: 11:56
